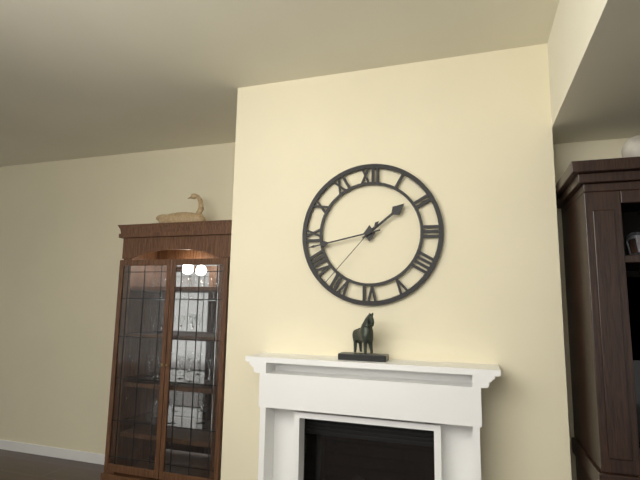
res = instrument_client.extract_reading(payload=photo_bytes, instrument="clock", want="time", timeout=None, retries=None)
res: 1:43:37
